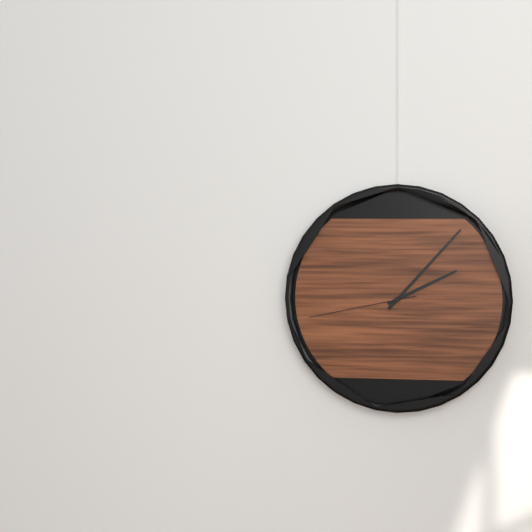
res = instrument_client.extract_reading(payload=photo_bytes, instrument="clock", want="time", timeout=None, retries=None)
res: 2:07:43
